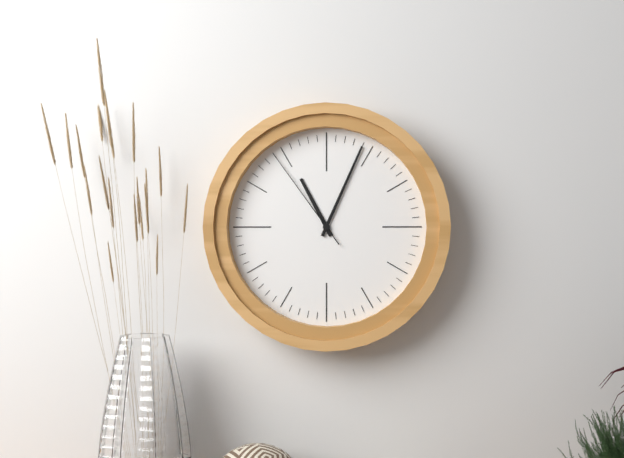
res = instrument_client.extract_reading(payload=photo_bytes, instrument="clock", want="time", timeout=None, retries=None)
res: 11:04:54
